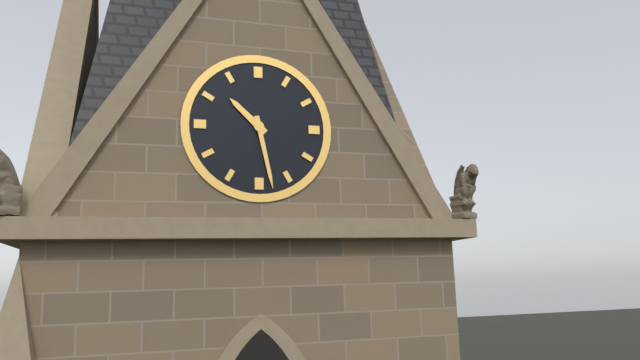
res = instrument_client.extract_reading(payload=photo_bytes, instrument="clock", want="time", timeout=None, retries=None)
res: 10:28
